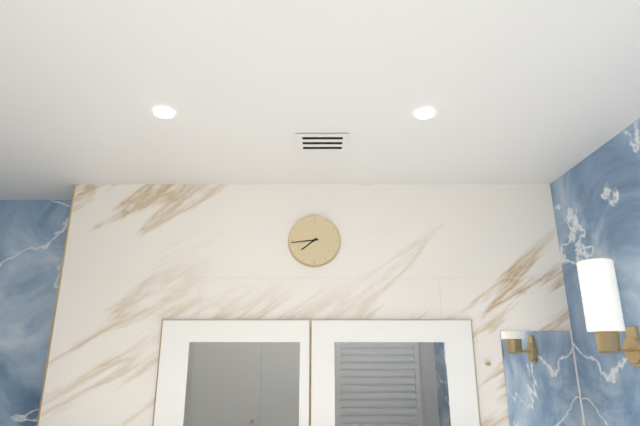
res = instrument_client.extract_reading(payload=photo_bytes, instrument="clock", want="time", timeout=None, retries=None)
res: 7:44
